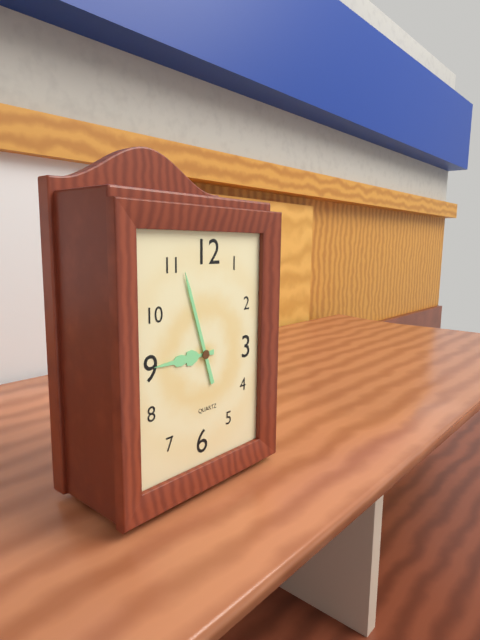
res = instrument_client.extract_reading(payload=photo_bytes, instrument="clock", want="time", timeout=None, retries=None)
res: 8:57
